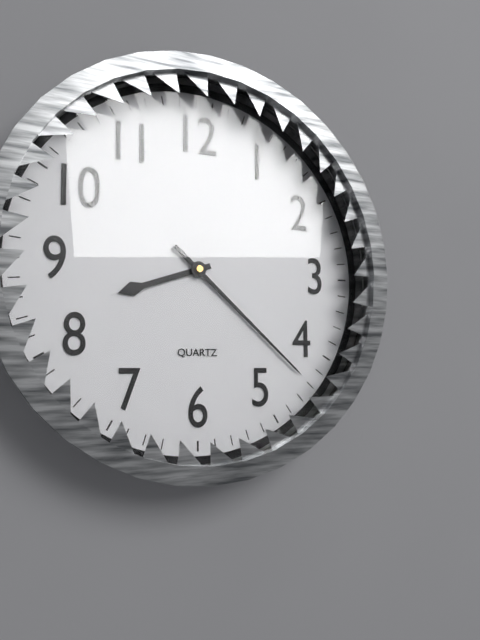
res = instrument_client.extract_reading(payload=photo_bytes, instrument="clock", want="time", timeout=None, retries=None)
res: 8:22
